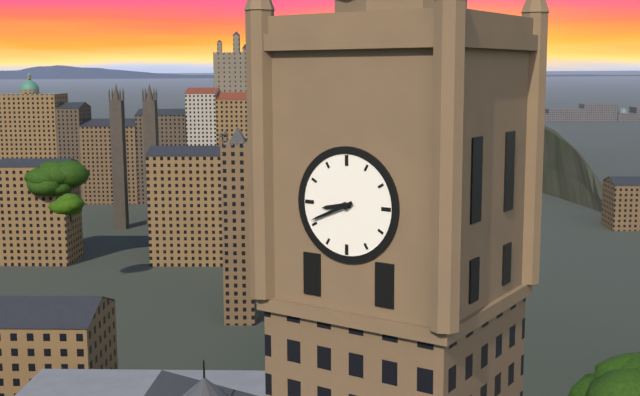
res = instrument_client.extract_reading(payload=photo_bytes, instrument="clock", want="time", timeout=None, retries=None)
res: 8:41
